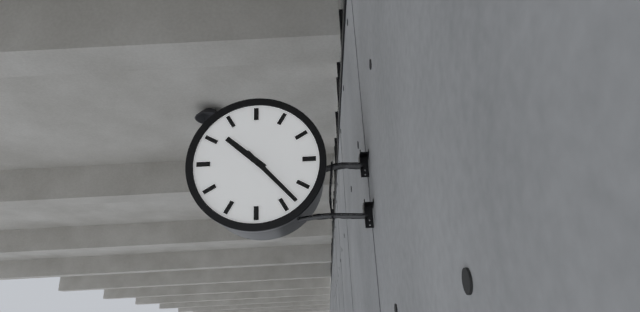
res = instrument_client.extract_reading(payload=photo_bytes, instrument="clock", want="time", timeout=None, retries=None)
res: 10:23
